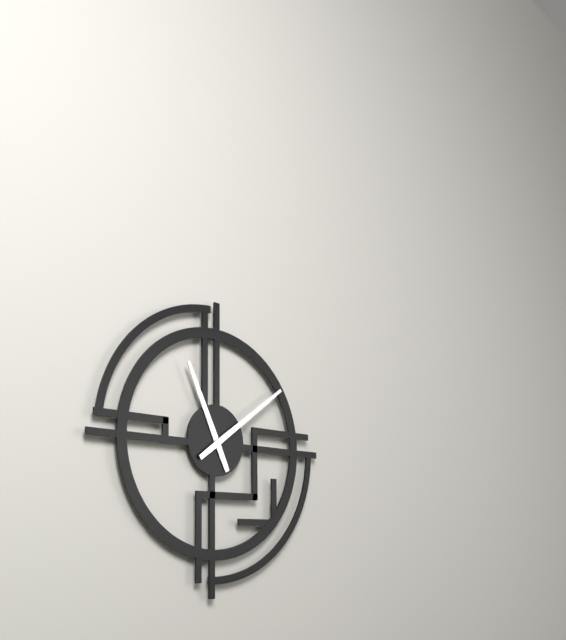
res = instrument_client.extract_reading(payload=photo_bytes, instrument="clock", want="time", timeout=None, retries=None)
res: 11:09
